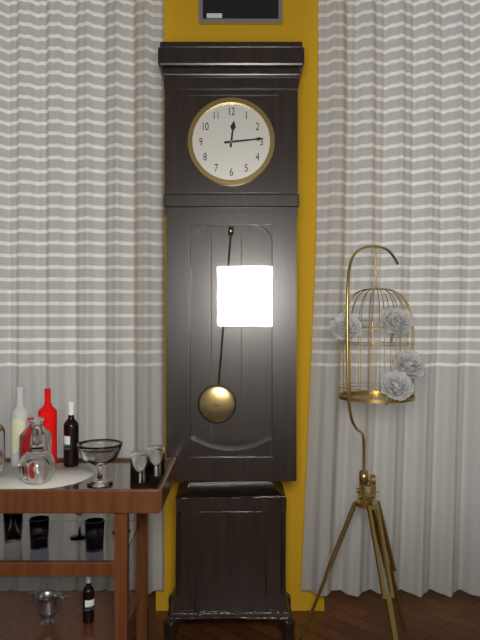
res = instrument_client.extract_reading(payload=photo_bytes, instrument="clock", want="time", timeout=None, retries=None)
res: 12:14
